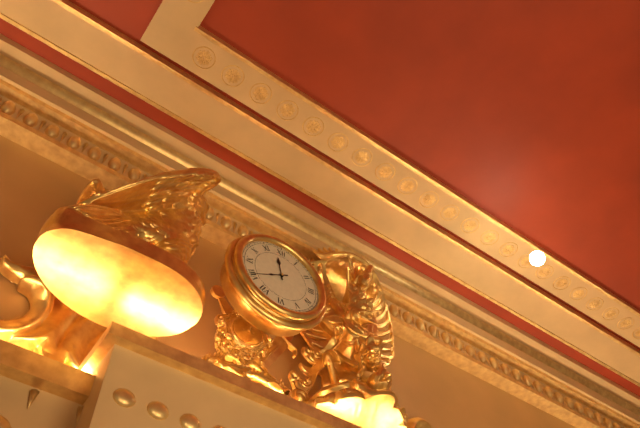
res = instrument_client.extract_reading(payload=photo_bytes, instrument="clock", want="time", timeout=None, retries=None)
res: 11:40
